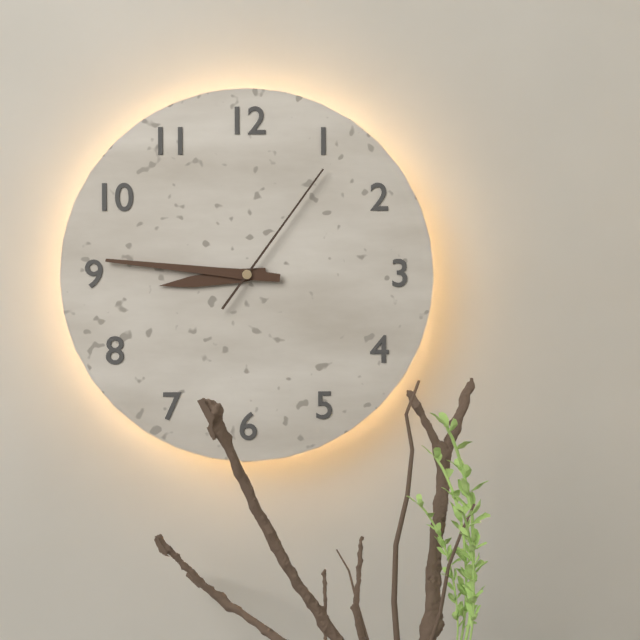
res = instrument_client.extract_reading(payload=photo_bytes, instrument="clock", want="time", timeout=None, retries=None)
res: 8:46:06
